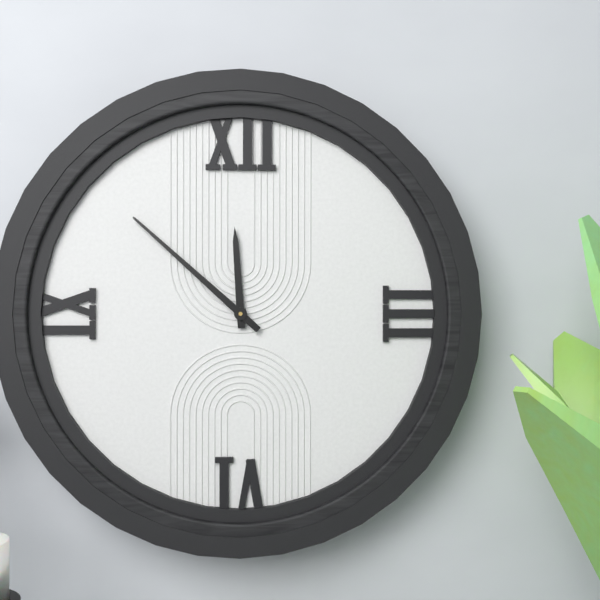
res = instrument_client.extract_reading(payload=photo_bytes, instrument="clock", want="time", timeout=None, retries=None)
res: 11:52
